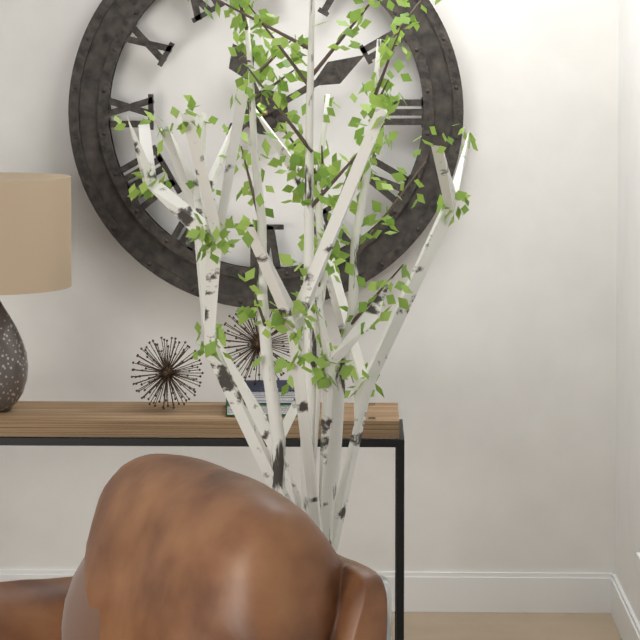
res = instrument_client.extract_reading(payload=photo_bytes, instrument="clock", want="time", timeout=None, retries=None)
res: 11:10
